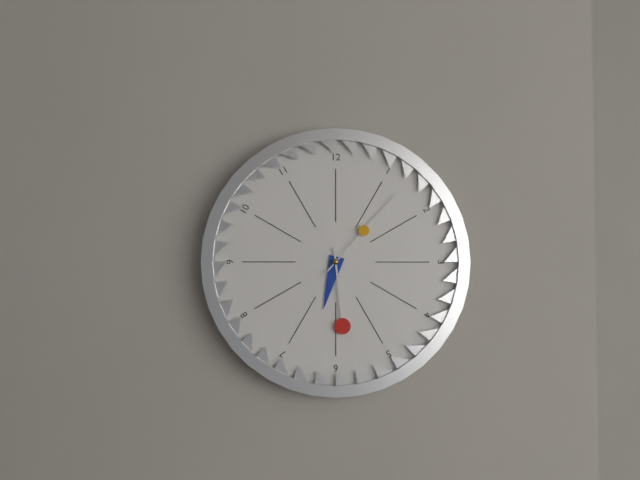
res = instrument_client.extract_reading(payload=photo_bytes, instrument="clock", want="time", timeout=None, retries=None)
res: 6:29:07
